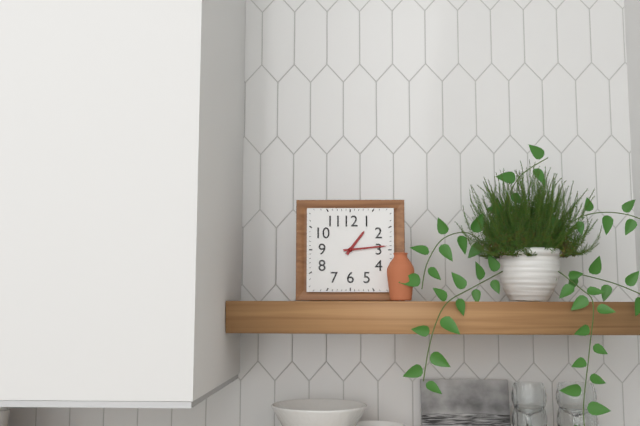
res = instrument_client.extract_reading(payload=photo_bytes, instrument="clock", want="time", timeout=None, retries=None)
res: 1:14
